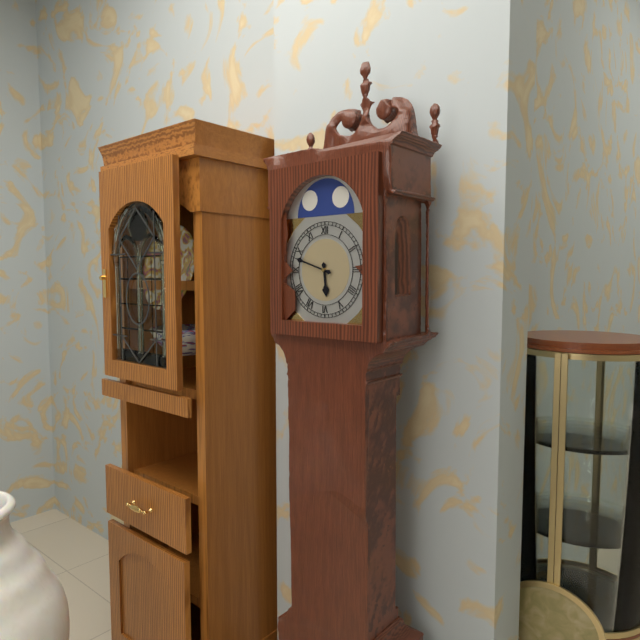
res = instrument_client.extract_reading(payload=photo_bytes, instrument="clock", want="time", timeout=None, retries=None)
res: 5:48
